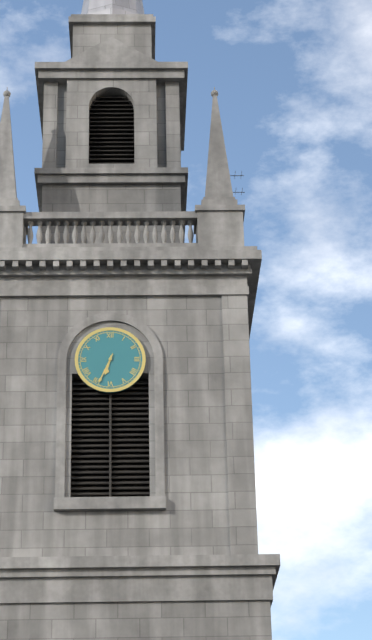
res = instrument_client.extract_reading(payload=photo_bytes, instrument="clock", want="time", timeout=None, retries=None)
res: 6:34
